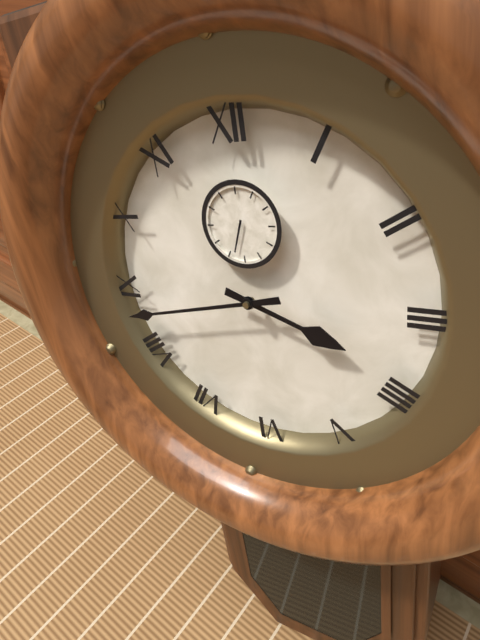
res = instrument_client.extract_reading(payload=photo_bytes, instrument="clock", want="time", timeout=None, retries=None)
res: 3:43
